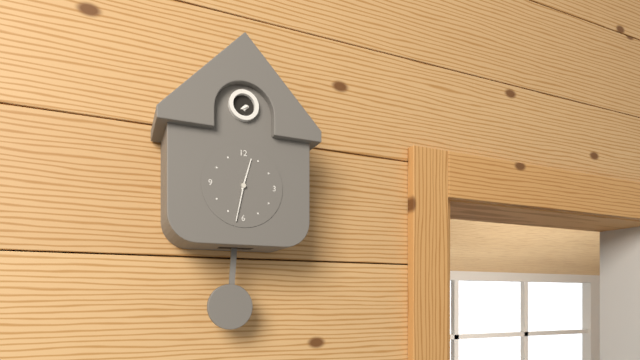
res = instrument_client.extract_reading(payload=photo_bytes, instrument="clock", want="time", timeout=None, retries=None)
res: 12:32
